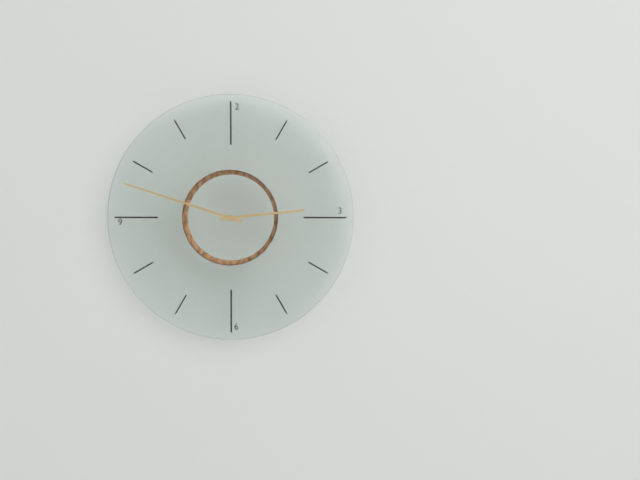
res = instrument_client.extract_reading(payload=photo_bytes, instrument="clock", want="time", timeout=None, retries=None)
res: 2:48
